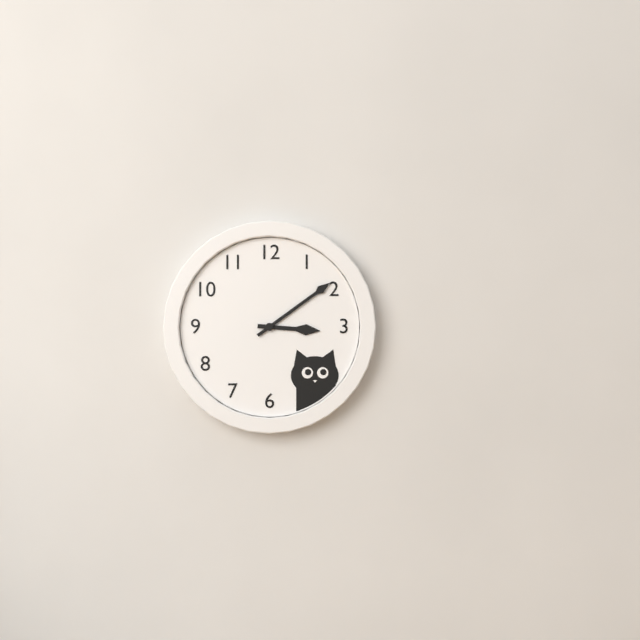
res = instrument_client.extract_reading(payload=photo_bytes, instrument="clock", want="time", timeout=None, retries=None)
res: 3:09
